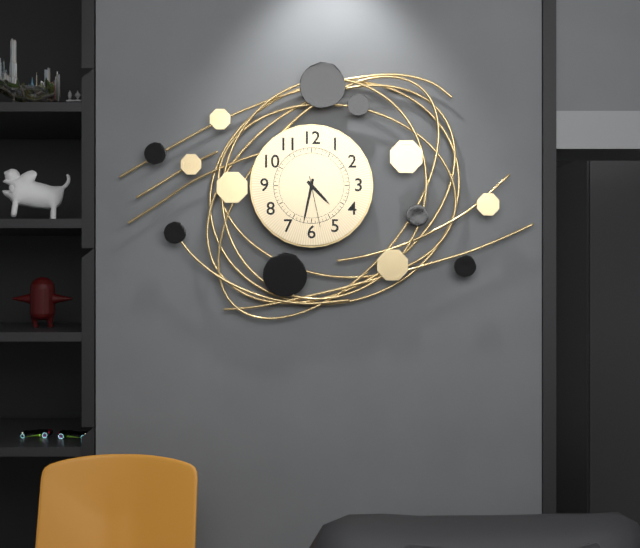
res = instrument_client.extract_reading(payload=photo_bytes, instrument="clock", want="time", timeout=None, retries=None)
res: 4:32:28
